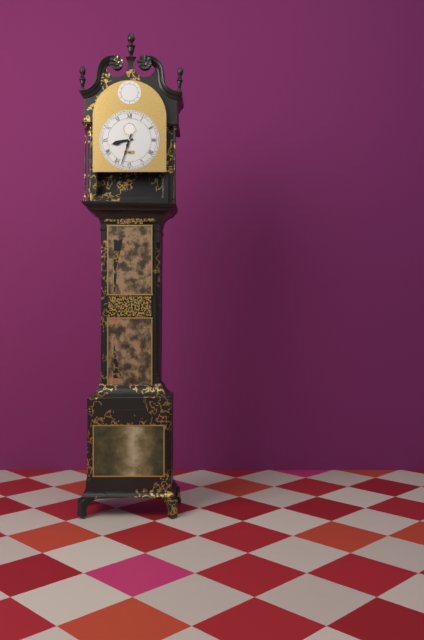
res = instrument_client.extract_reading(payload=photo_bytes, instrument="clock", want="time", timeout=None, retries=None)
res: 8:33
